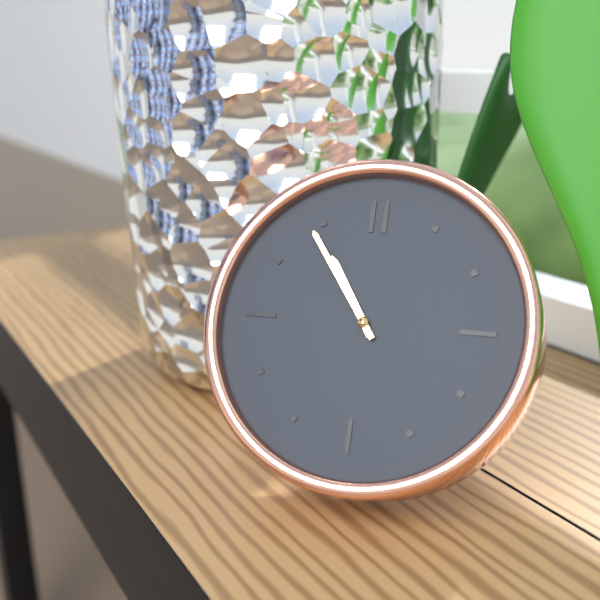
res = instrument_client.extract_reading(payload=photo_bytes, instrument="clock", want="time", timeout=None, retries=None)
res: 10:54
